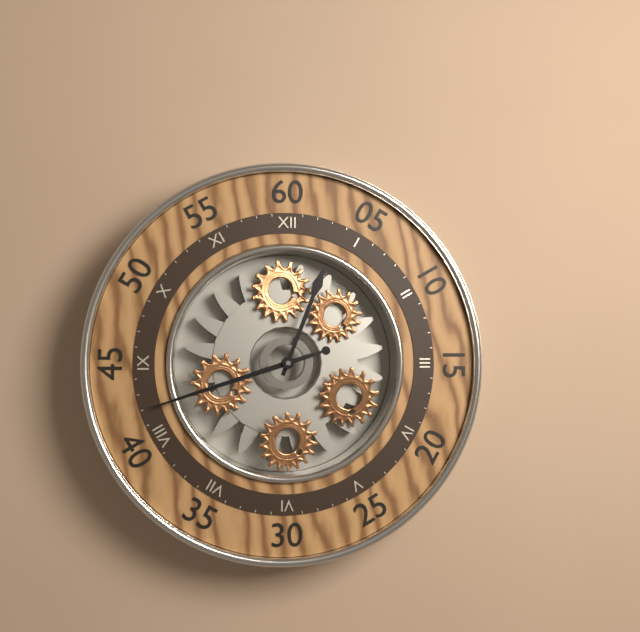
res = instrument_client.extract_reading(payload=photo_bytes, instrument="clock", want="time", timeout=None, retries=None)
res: 12:42
